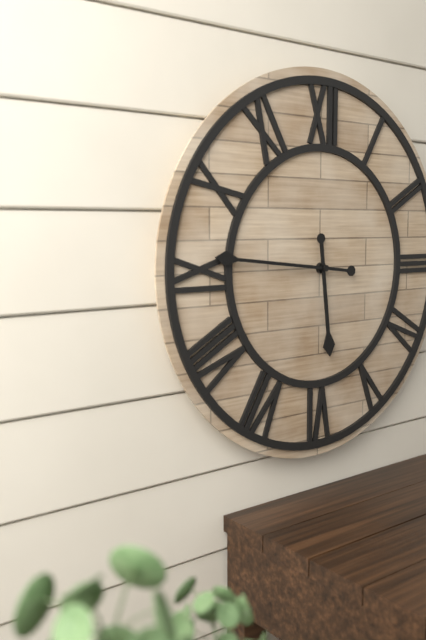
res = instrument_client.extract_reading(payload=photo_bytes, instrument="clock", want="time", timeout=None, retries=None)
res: 5:46
